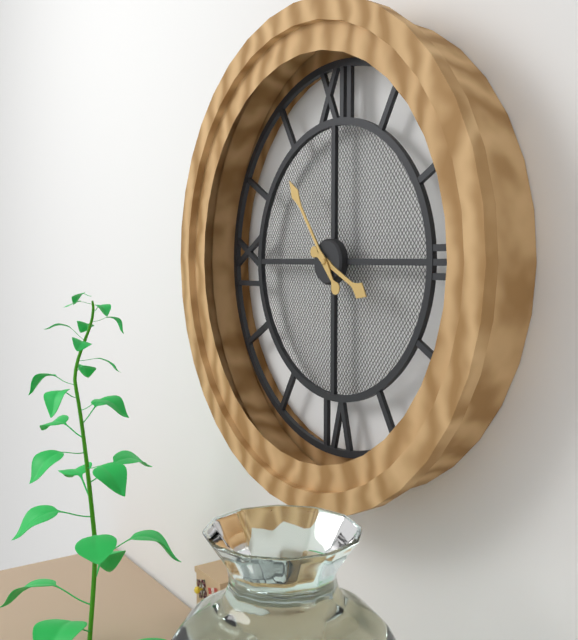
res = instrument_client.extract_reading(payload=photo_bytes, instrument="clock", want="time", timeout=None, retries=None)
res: 3:54
